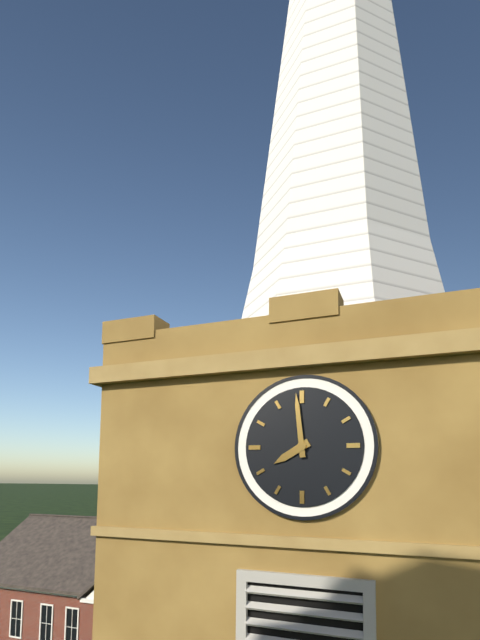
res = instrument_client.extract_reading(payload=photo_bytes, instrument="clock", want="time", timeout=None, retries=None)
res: 7:59
